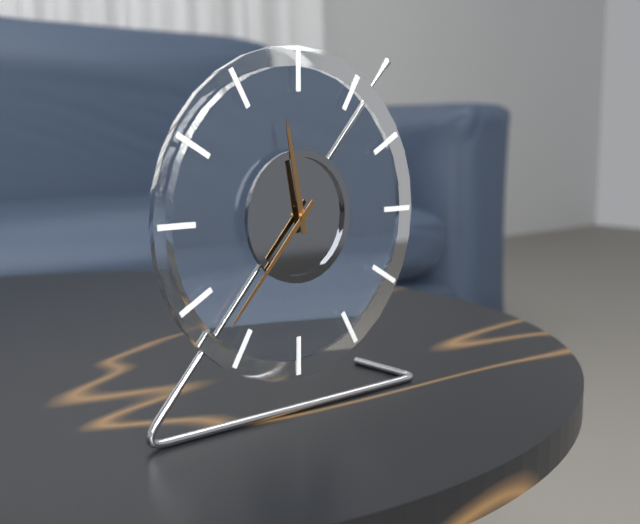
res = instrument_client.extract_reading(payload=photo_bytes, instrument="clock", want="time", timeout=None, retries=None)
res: 11:37
